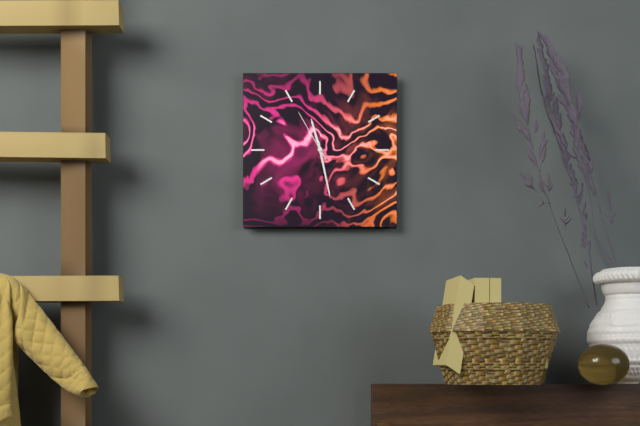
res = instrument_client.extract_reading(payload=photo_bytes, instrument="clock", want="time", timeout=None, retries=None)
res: 11:28:55
